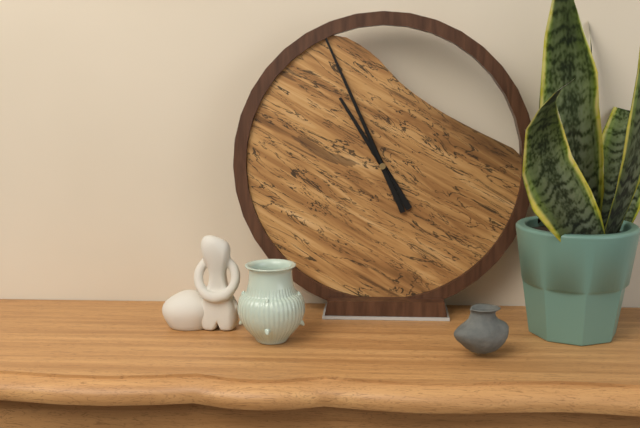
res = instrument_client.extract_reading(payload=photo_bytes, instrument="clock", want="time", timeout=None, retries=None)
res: 10:56
